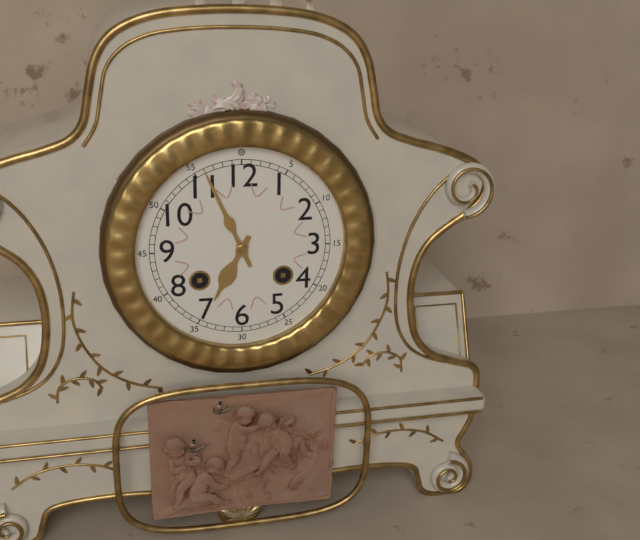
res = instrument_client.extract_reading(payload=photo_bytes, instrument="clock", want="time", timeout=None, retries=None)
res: 6:56
